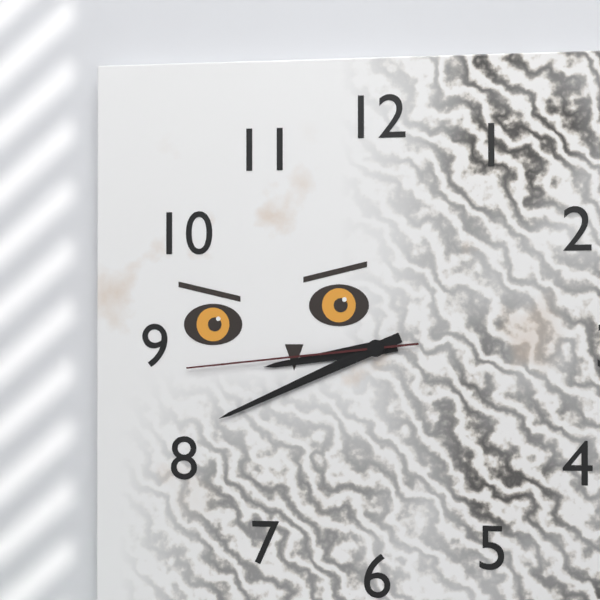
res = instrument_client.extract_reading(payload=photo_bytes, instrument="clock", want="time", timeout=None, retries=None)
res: 8:41:44
